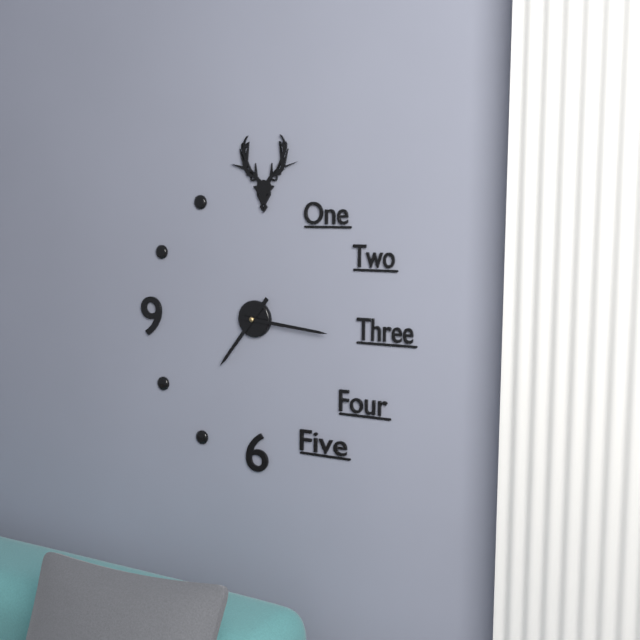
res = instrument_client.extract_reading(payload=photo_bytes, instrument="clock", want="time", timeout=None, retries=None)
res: 7:16
